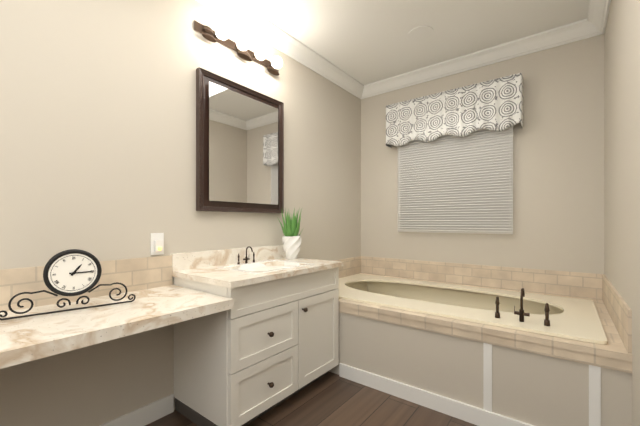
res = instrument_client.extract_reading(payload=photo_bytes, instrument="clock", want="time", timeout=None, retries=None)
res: 1:15
